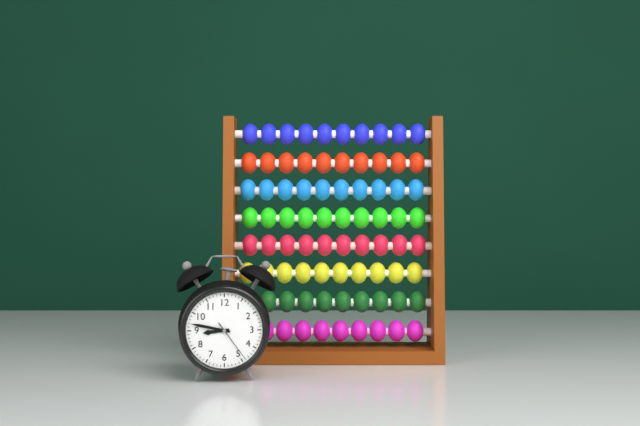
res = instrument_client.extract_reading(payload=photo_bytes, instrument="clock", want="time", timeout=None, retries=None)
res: 8:47
